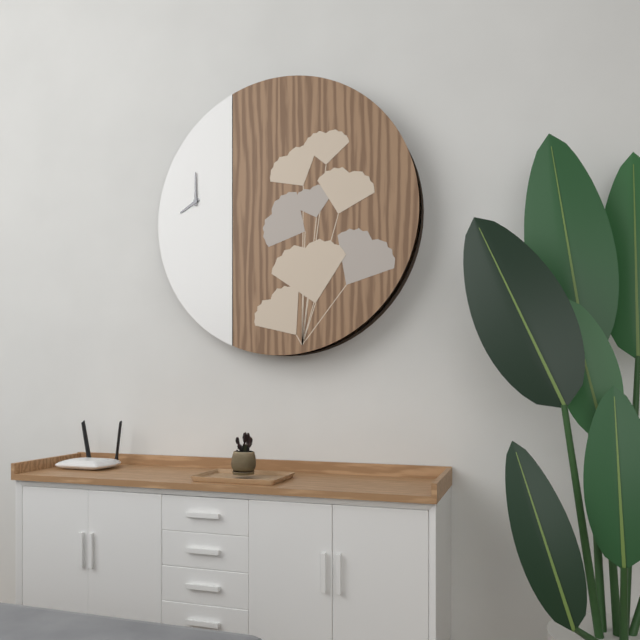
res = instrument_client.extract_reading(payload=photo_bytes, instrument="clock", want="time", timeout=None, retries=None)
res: 8:00
